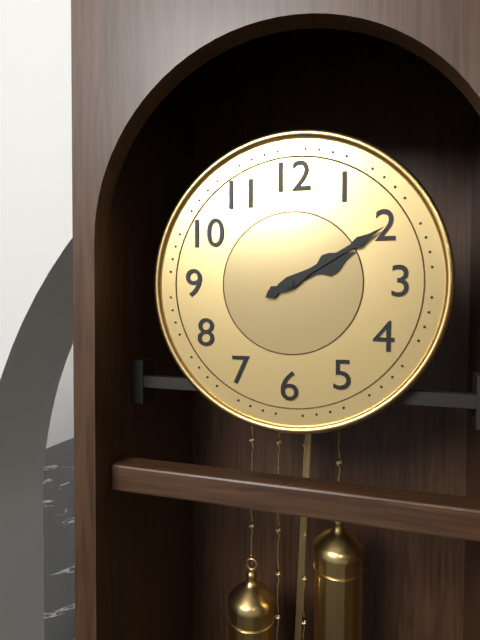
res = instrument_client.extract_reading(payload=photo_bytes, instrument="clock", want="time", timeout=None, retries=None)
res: 2:10
